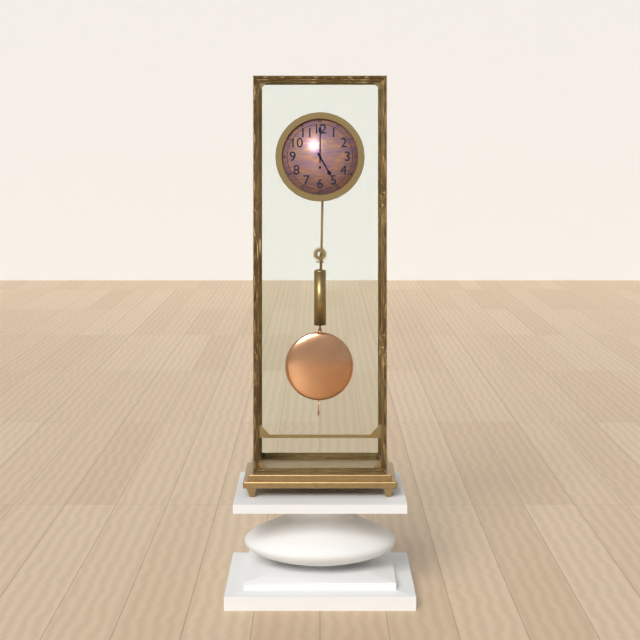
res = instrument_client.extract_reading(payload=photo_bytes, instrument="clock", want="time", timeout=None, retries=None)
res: 5:00
